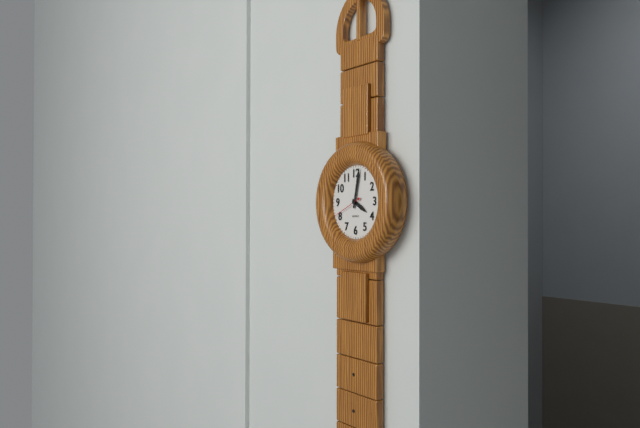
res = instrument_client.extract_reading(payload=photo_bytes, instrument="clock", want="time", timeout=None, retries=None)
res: 4:02
